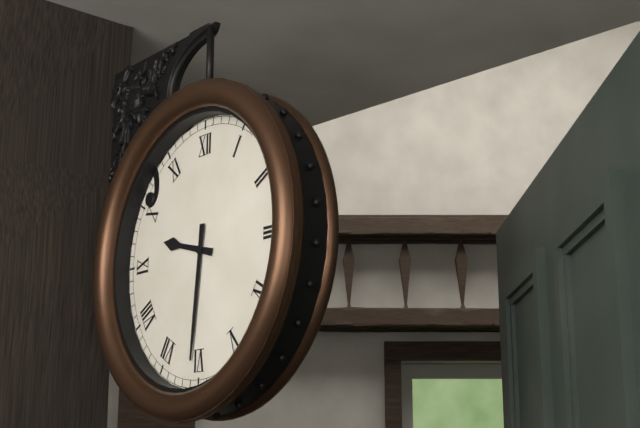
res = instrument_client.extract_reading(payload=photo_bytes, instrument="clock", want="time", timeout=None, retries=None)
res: 9:31
